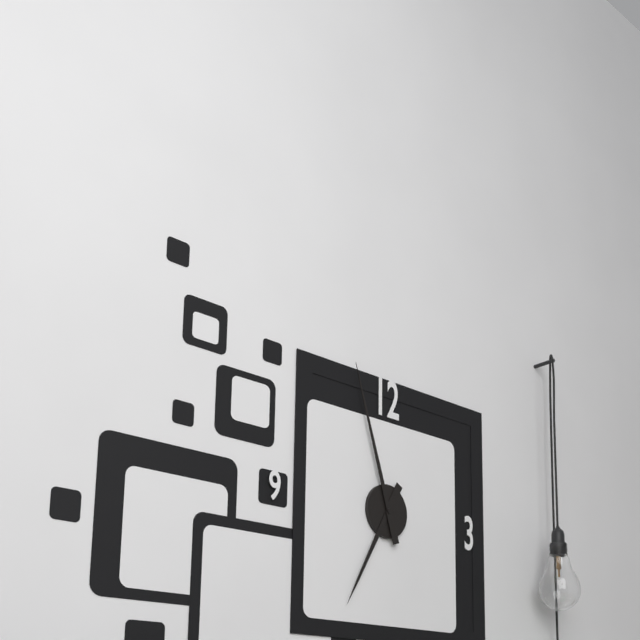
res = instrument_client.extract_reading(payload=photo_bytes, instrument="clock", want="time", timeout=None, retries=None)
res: 6:57
